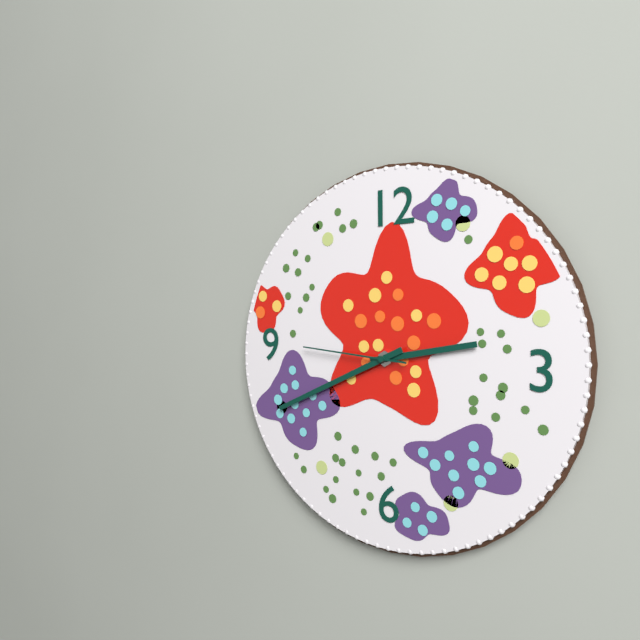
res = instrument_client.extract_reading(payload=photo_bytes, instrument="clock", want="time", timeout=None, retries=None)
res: 2:41:46
